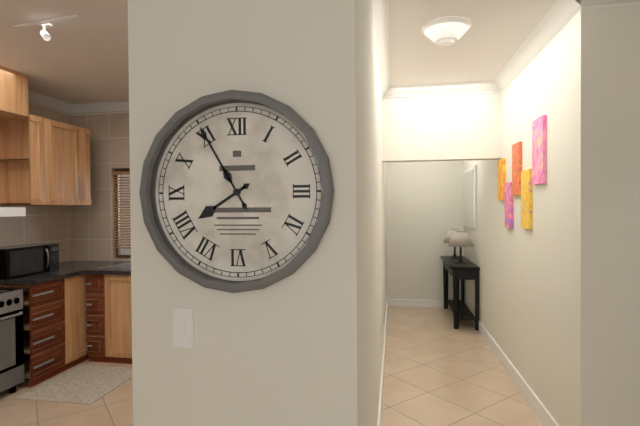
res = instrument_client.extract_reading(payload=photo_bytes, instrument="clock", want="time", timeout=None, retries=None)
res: 7:55
